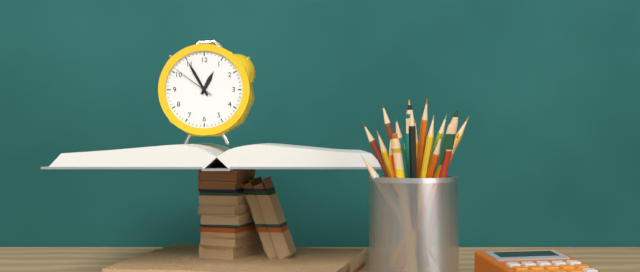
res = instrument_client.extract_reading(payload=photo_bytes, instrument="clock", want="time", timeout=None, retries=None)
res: 12:55
